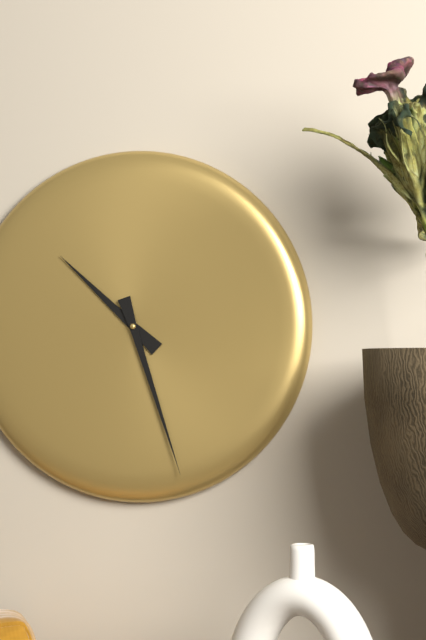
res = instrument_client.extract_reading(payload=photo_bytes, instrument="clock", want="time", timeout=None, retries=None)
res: 10:27
